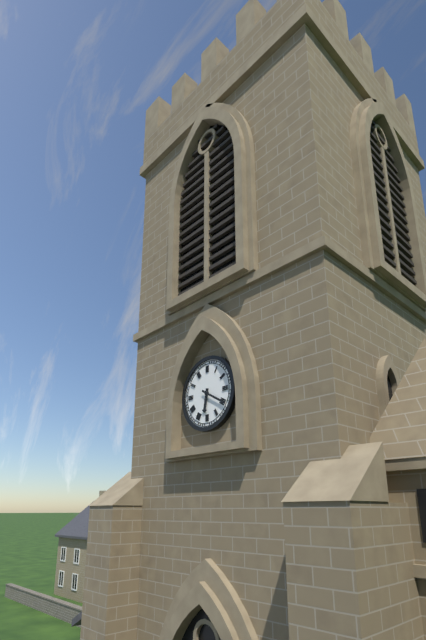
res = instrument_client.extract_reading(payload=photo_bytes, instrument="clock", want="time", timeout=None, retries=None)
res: 6:20
